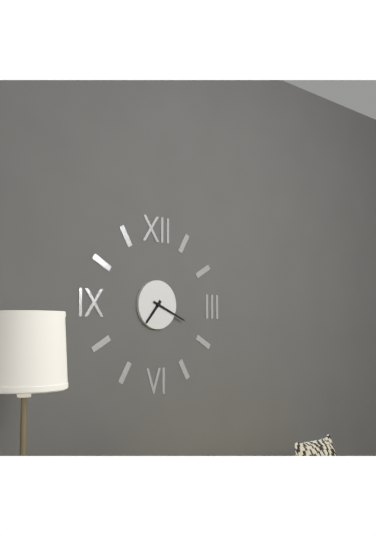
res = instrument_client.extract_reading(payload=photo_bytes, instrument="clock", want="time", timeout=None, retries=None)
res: 7:19
